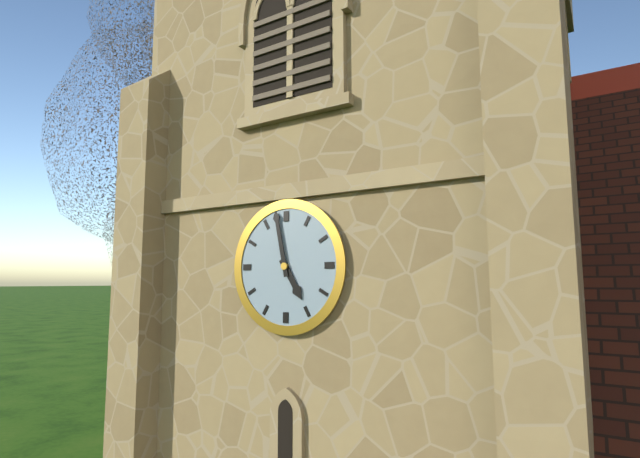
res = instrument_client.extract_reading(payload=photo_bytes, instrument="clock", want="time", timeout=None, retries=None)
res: 4:58
